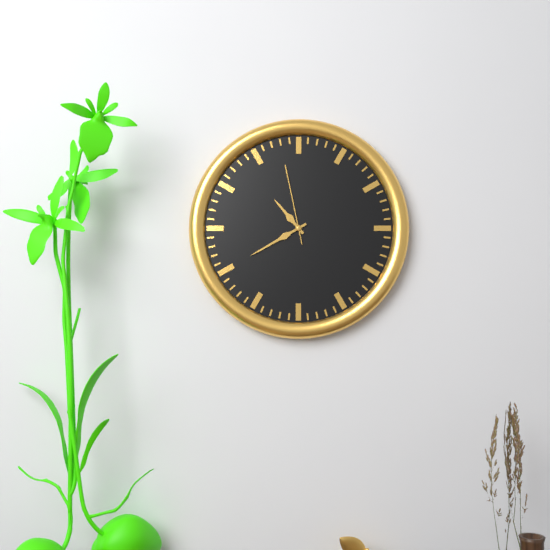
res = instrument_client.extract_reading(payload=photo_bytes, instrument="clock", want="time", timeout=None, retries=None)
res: 10:40:58
